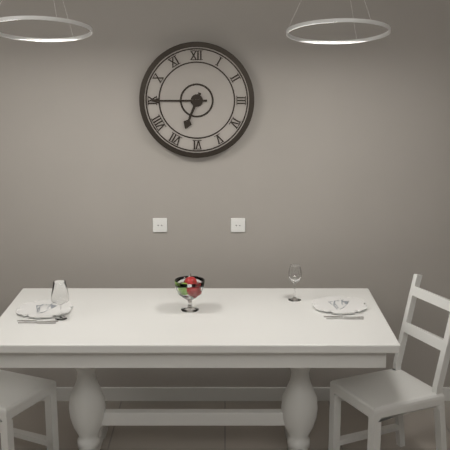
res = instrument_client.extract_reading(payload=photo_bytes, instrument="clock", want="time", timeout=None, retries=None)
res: 6:45
